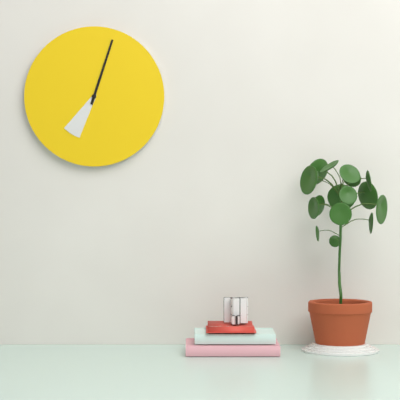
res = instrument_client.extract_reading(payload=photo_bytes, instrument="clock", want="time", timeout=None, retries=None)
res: 7:03
